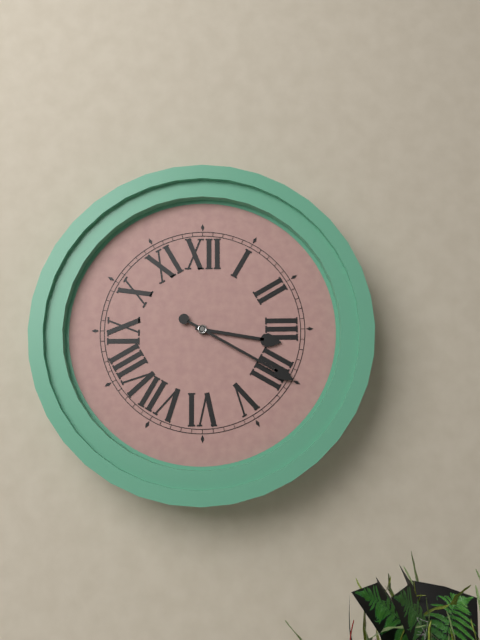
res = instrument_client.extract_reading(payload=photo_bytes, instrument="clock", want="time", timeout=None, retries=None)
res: 3:20
